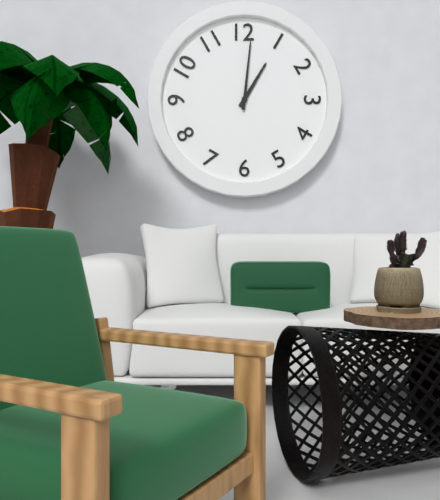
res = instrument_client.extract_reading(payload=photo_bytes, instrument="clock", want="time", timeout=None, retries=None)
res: 1:01
